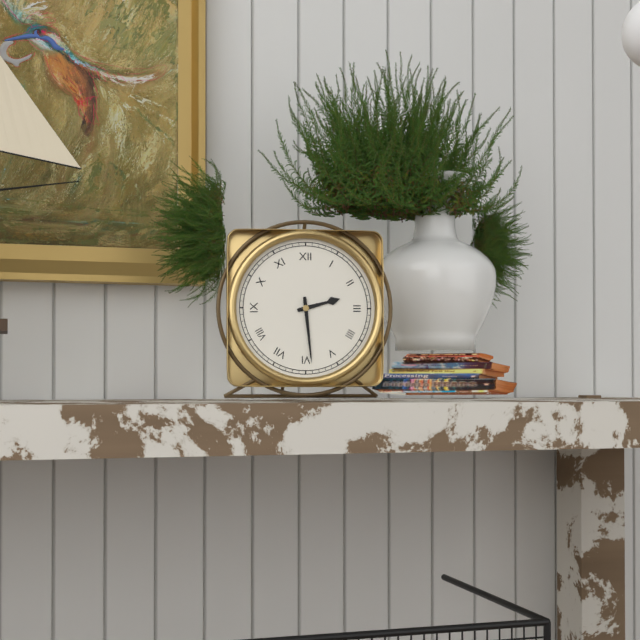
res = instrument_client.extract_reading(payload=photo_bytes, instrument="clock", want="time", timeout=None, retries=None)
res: 2:29
